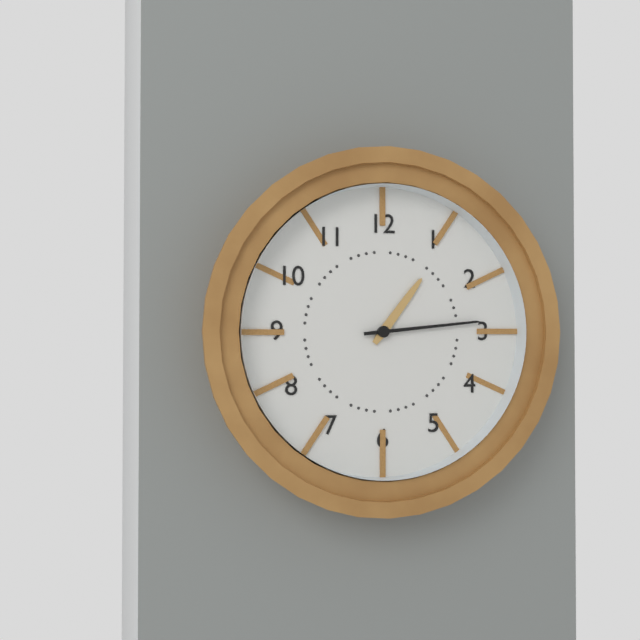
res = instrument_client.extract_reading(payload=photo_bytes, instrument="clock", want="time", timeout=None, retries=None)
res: 1:14
